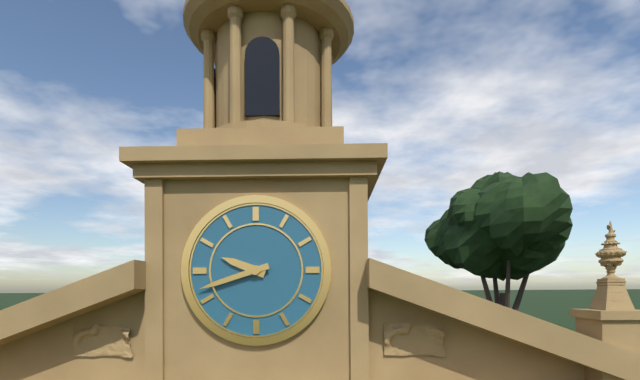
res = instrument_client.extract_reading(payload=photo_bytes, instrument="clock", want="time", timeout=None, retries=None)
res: 9:42
